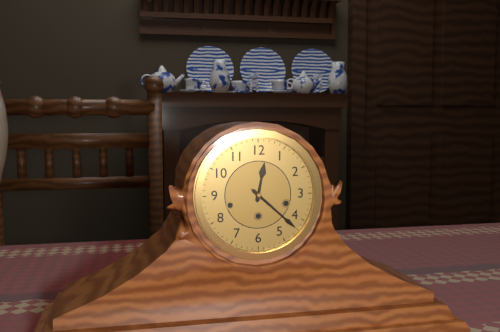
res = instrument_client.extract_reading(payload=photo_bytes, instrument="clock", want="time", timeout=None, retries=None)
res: 12:22
